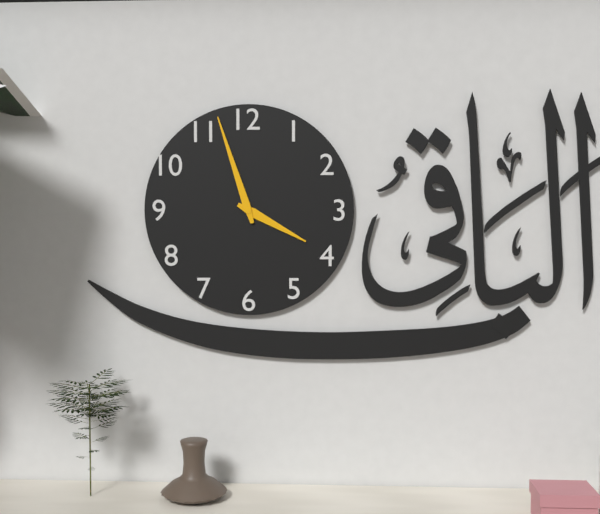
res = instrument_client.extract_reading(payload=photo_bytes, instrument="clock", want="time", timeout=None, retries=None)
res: 3:57
